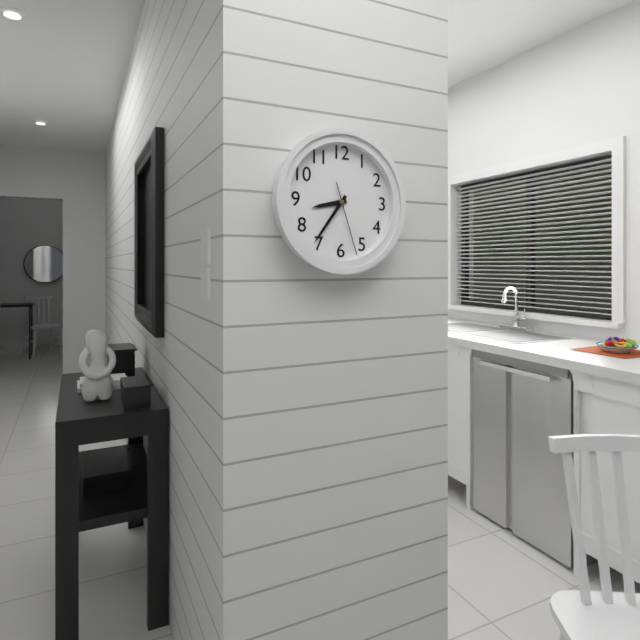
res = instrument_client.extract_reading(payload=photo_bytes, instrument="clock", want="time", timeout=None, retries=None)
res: 8:36:27
